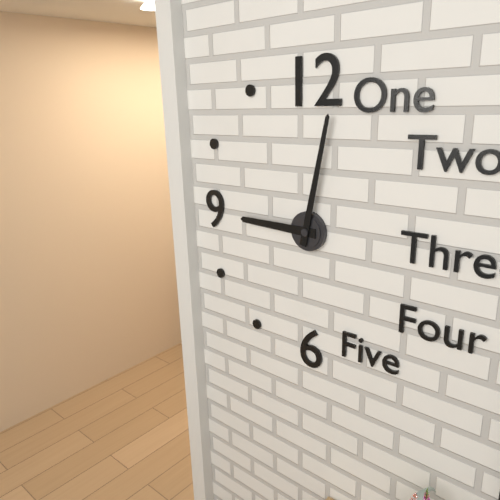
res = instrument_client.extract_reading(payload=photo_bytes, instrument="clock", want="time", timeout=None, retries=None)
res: 9:02
